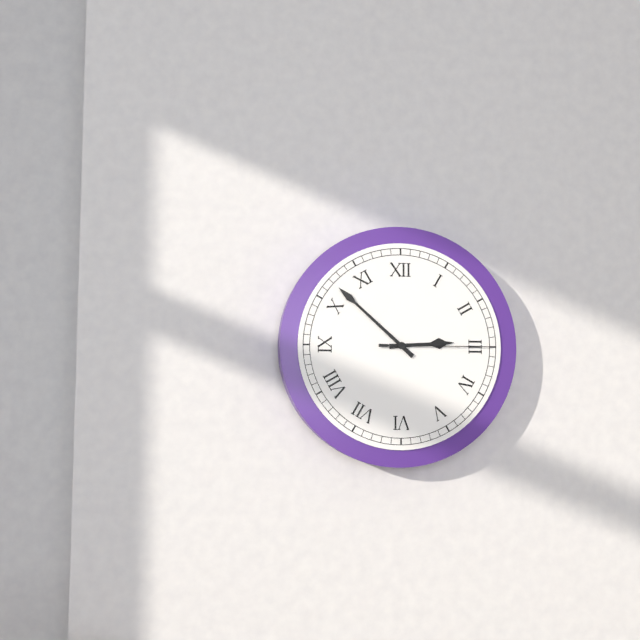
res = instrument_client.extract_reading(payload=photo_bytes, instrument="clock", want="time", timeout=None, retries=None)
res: 2:52:15
